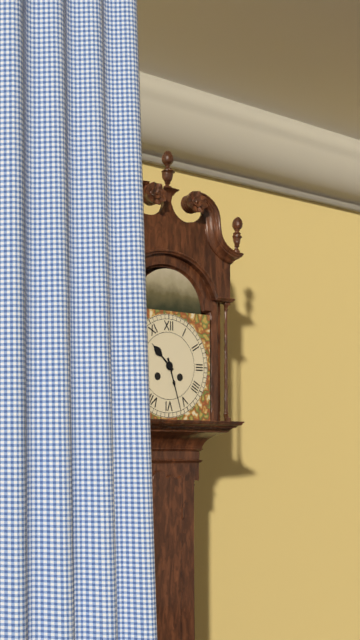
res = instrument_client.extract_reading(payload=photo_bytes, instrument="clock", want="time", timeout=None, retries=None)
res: 10:27
